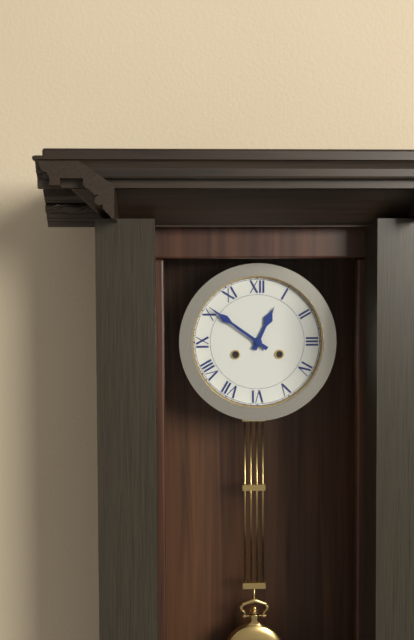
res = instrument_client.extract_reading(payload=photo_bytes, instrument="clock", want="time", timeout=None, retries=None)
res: 12:51
